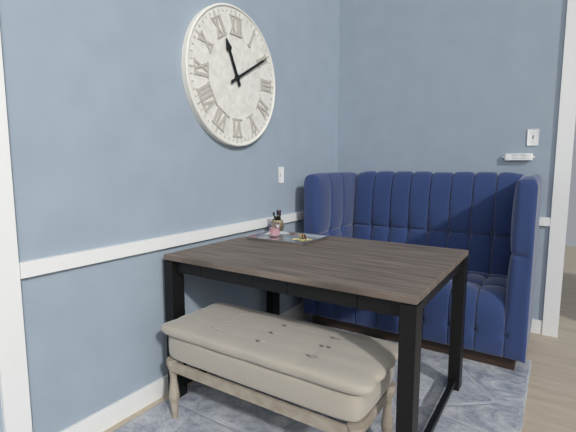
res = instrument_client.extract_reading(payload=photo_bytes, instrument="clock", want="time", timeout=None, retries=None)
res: 11:10
